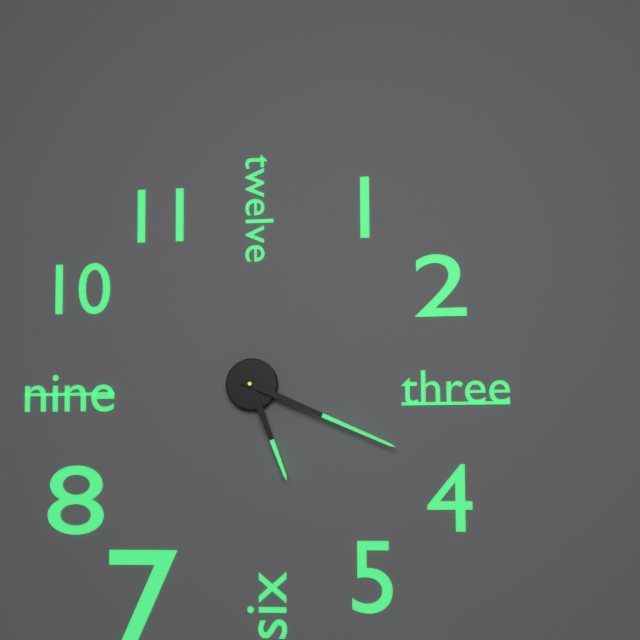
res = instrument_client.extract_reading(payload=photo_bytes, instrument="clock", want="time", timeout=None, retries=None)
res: 5:19
